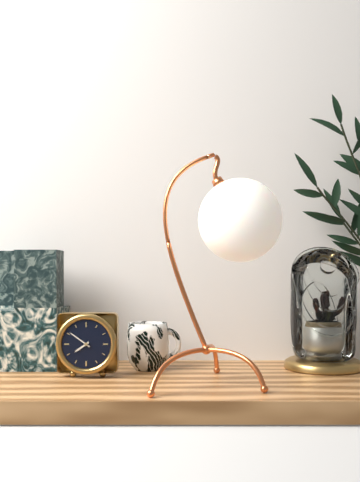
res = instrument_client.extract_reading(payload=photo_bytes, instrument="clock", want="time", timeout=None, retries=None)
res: 7:51
